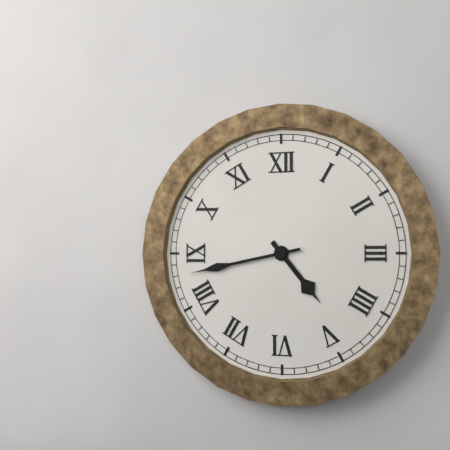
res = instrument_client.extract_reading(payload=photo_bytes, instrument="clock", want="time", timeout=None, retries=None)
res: 4:43
